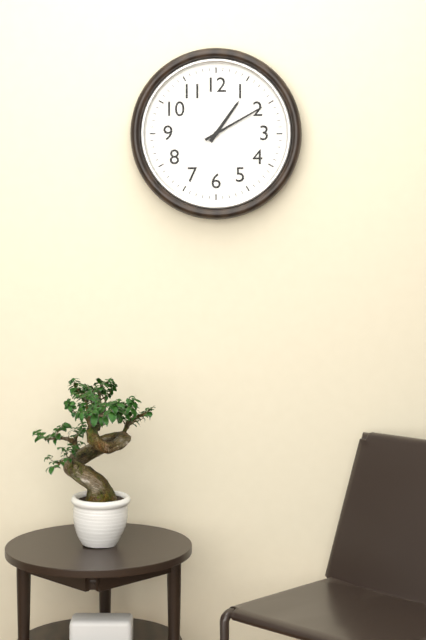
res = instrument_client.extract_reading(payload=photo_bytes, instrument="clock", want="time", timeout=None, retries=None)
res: 1:10
